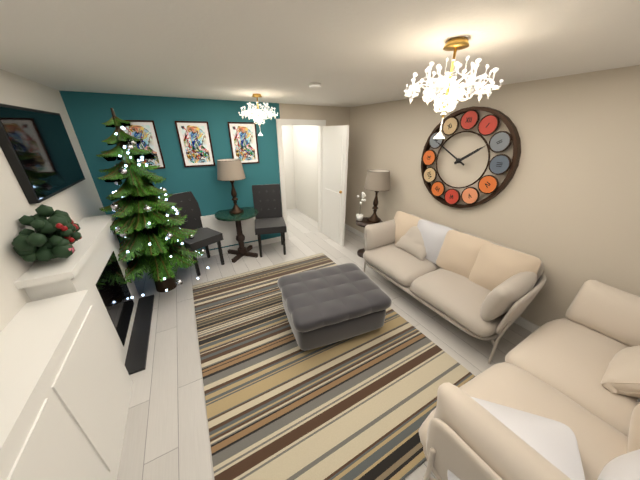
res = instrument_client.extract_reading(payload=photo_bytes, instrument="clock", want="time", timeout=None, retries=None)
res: 1:50
